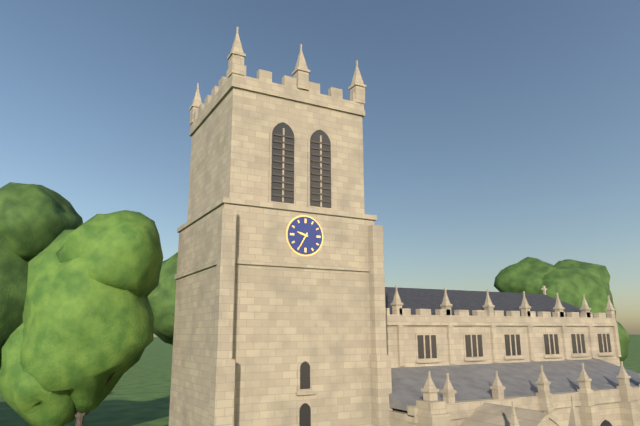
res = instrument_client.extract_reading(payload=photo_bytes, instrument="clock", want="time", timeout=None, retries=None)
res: 9:35
